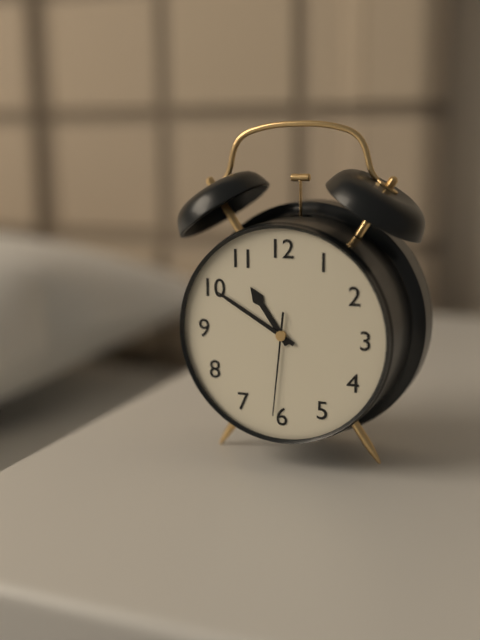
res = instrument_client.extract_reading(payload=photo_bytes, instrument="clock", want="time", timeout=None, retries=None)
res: 10:50:31
